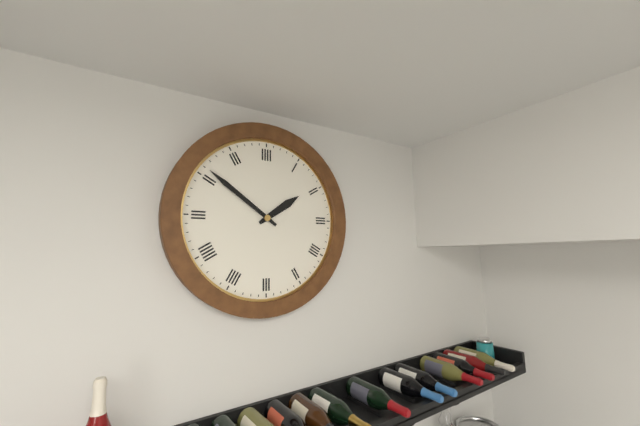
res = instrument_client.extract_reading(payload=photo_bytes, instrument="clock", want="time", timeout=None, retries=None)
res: 1:51
